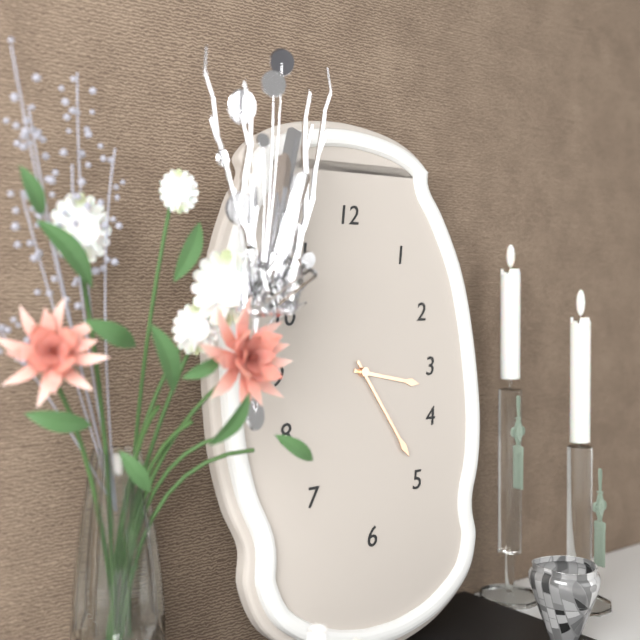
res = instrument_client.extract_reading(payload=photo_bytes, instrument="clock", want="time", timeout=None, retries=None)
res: 3:25
